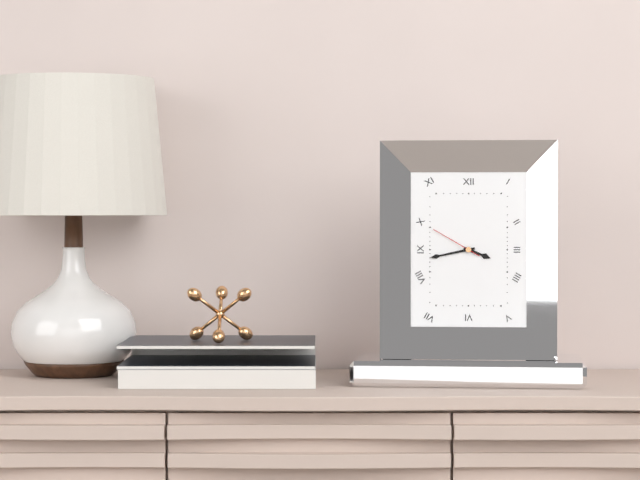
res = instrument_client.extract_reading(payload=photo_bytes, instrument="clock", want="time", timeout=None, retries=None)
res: 3:43:50
